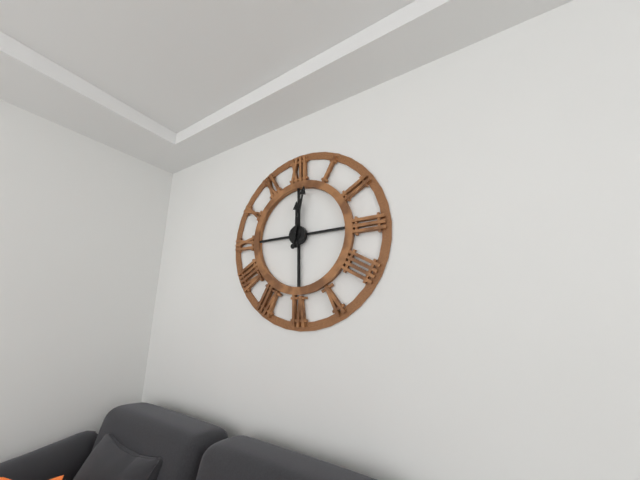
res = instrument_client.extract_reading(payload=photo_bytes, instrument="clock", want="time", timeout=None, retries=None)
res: 12:02
